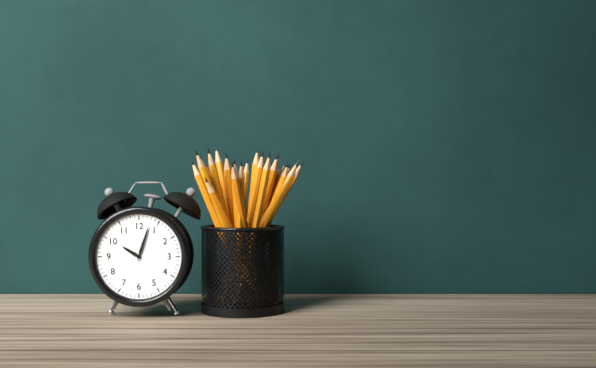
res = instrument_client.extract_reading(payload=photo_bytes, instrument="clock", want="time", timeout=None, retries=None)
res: 10:03
